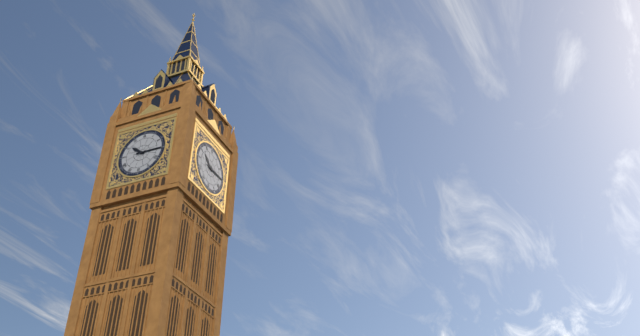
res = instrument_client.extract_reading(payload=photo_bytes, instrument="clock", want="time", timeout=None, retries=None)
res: 10:15
